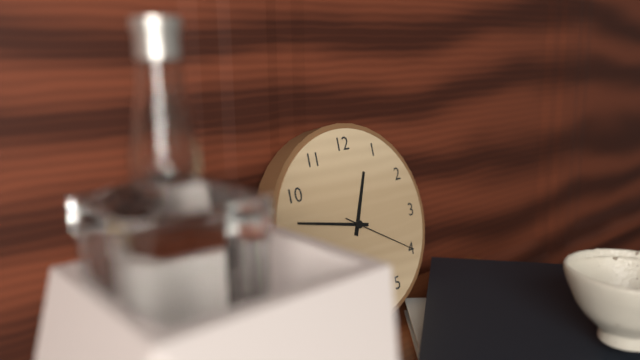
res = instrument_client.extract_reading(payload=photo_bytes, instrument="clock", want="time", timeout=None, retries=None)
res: 12:47:20
